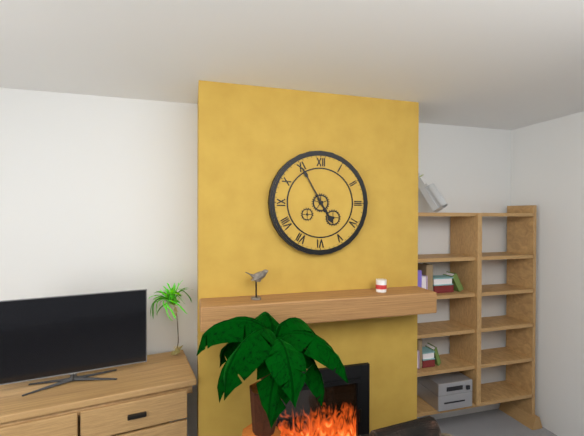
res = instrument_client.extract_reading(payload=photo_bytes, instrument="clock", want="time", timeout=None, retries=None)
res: 4:55
